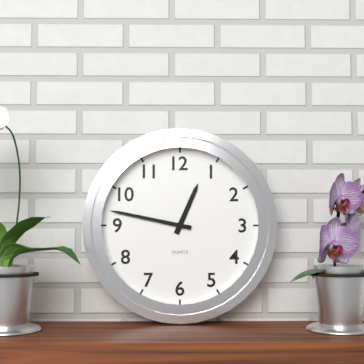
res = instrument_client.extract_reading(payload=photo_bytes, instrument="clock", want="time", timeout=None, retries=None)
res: 12:47
